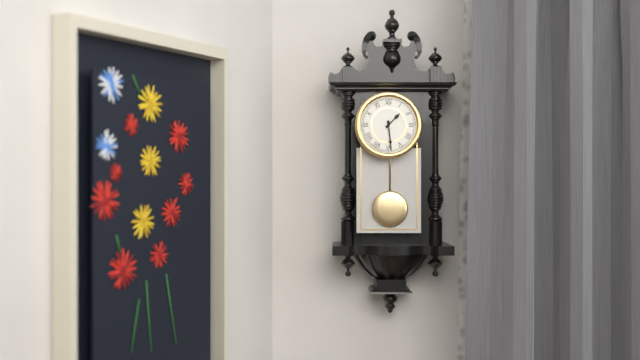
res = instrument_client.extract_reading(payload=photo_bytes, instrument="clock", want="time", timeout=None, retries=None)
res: 1:29
